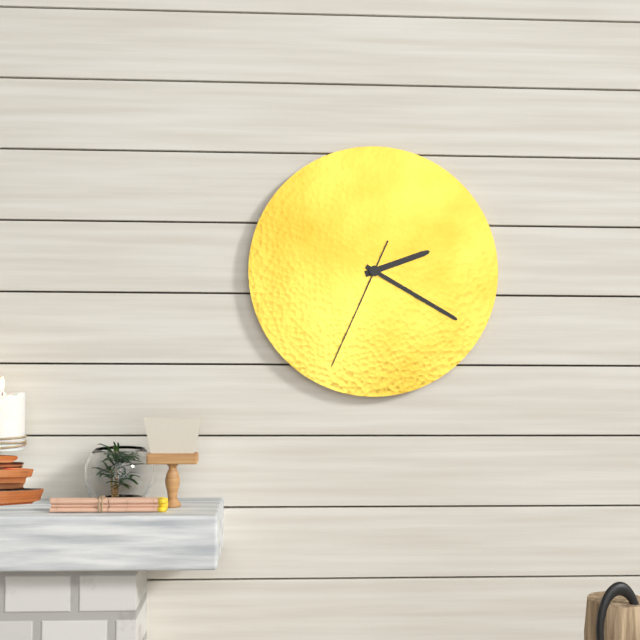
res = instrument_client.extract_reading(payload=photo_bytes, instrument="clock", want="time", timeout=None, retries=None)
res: 2:20:34
